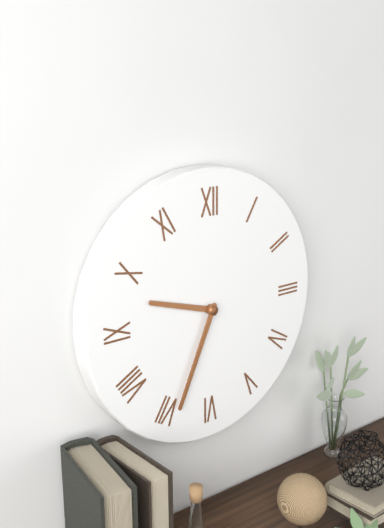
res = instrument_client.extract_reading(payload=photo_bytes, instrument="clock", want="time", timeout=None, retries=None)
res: 9:34
